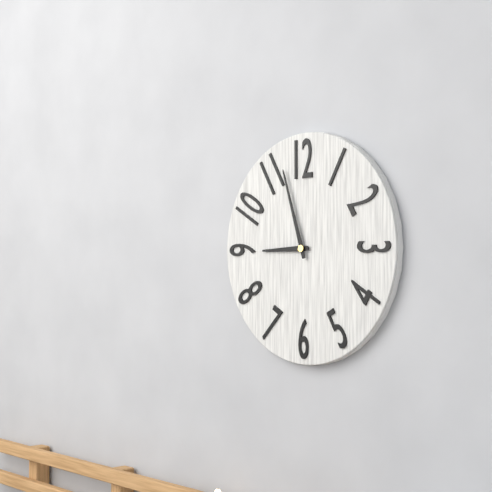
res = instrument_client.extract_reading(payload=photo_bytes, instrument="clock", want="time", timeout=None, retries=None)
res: 8:57
